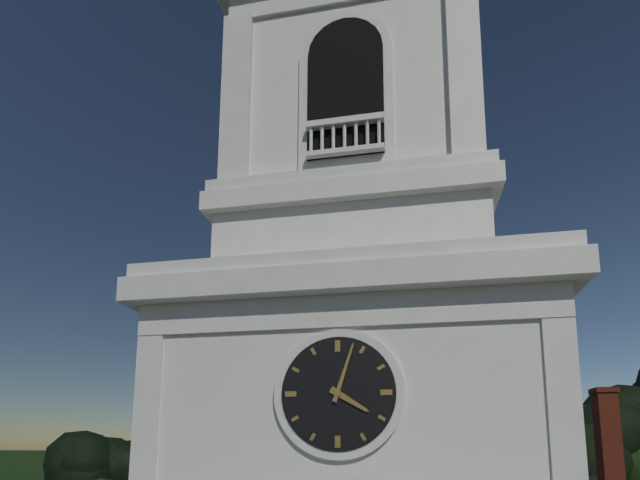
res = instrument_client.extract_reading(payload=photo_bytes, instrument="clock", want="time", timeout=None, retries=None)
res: 4:03
